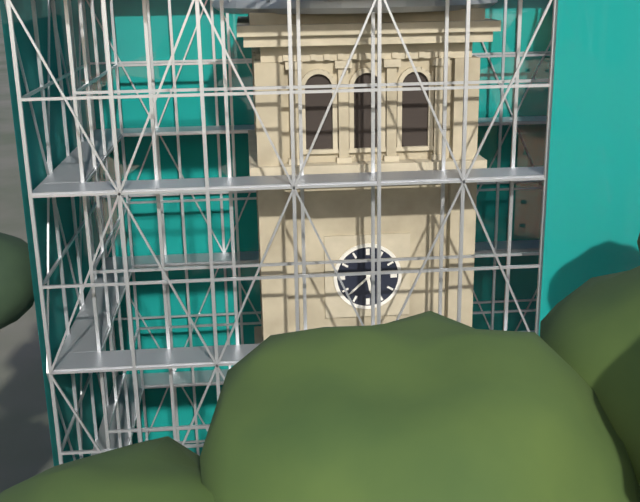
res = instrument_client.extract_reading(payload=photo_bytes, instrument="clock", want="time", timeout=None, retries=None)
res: 5:38
